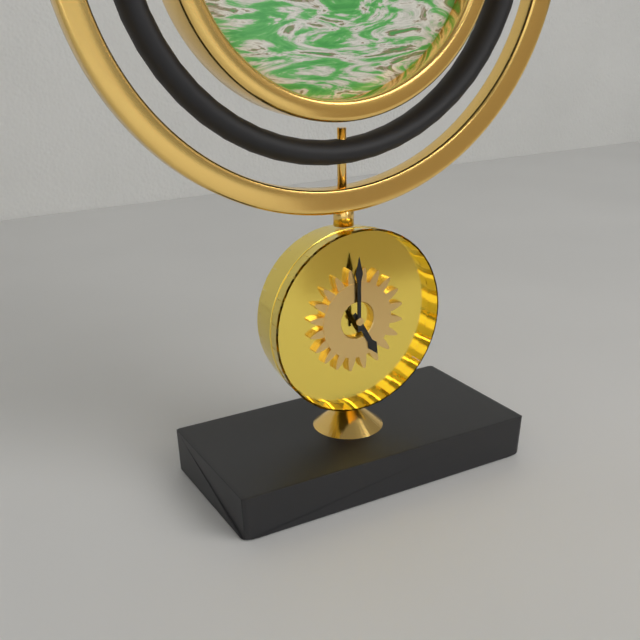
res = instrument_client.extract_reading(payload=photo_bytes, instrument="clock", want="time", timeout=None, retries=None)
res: 5:00
